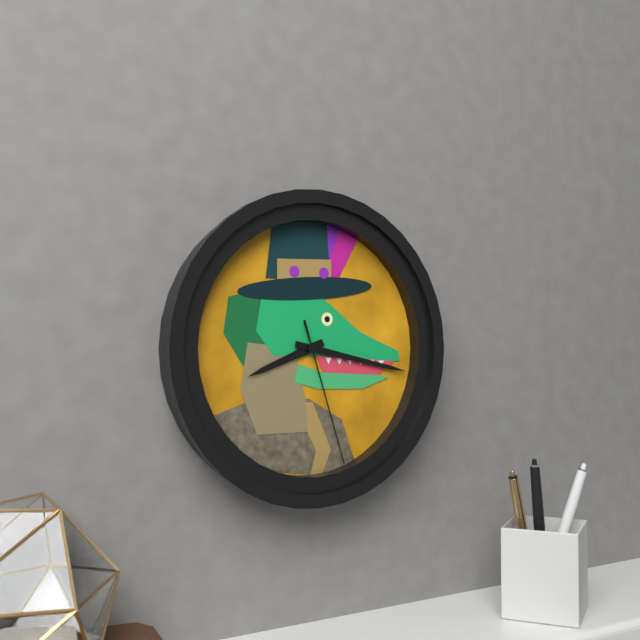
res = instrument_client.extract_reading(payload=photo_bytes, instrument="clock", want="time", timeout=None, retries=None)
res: 8:17:27
